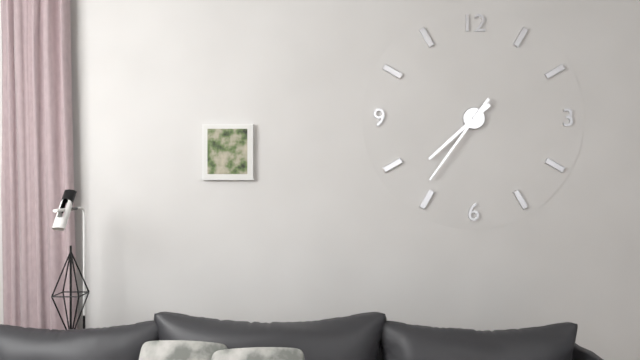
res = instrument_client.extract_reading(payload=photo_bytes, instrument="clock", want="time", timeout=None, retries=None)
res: 7:36
